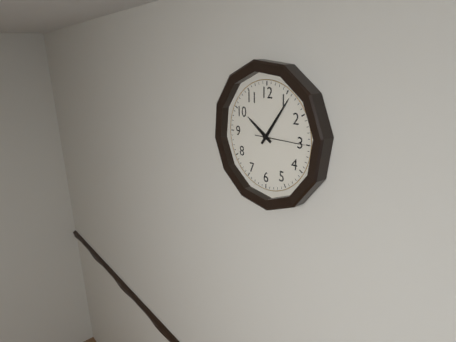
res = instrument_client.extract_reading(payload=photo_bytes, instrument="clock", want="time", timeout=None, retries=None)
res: 10:06:15
